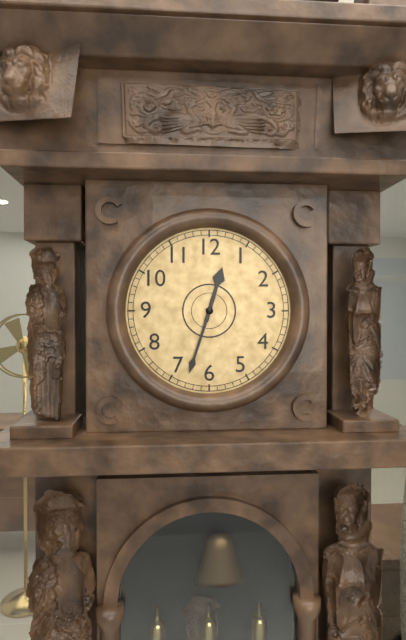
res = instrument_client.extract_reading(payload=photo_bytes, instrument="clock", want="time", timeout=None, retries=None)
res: 12:33
